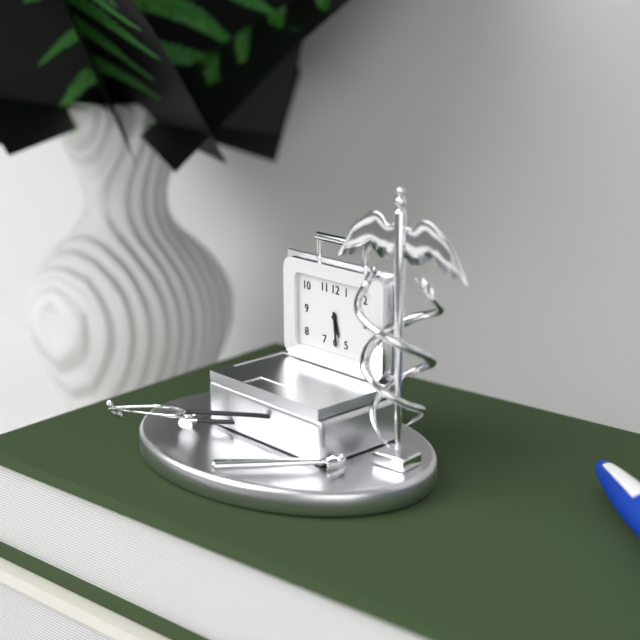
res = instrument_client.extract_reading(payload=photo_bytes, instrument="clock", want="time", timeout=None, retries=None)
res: 5:29
